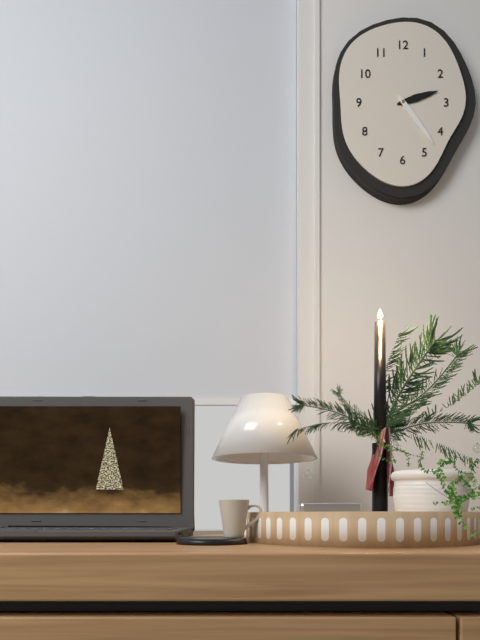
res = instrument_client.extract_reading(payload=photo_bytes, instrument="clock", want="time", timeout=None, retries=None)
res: 2:24
